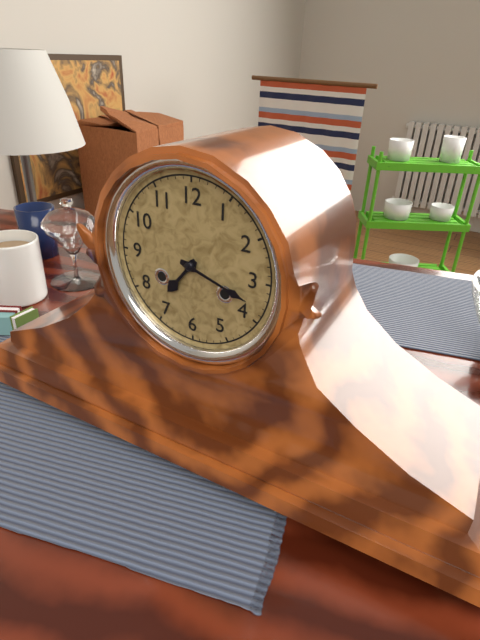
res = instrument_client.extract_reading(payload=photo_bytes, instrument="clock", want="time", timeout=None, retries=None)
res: 7:18
